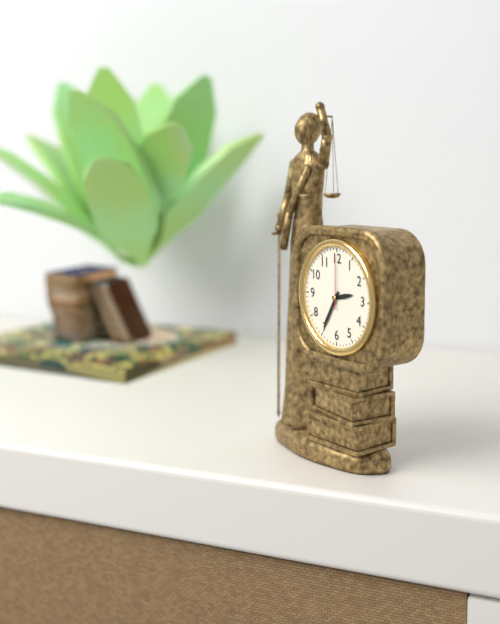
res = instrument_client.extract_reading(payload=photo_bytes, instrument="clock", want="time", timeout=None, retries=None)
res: 2:35:00
